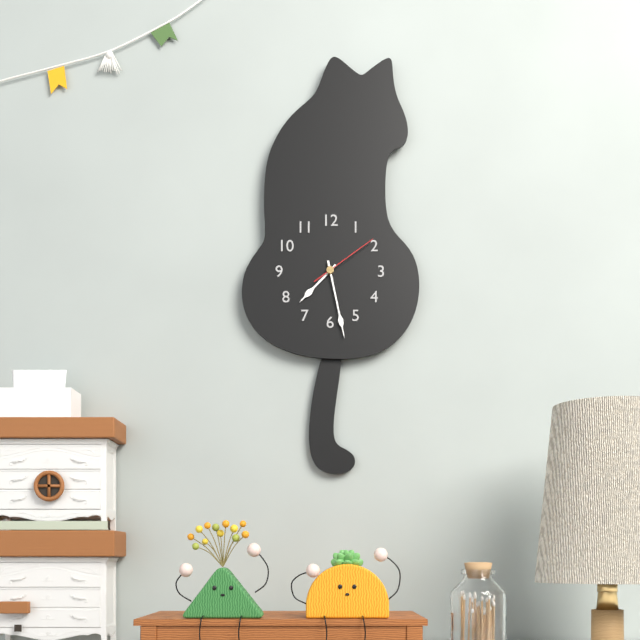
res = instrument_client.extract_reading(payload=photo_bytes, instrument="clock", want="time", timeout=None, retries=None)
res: 7:28:09
